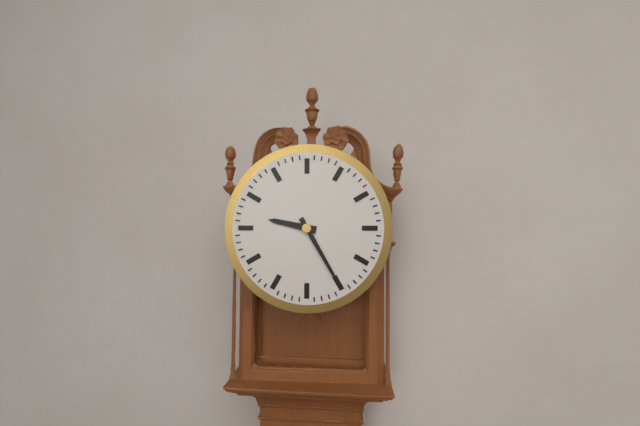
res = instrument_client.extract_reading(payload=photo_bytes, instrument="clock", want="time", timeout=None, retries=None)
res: 9:25
